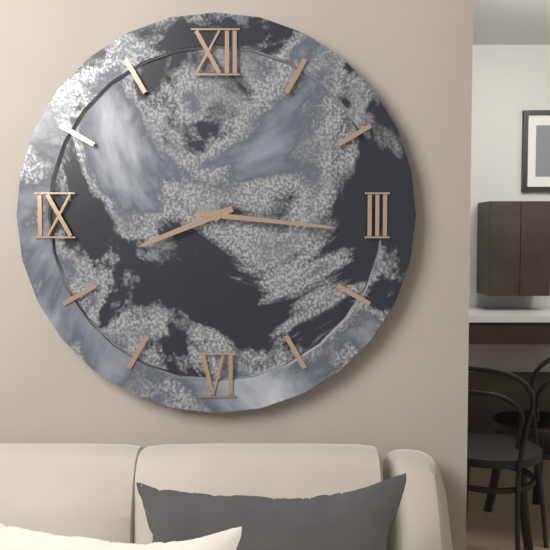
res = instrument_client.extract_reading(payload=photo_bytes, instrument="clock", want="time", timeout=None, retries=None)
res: 8:16
